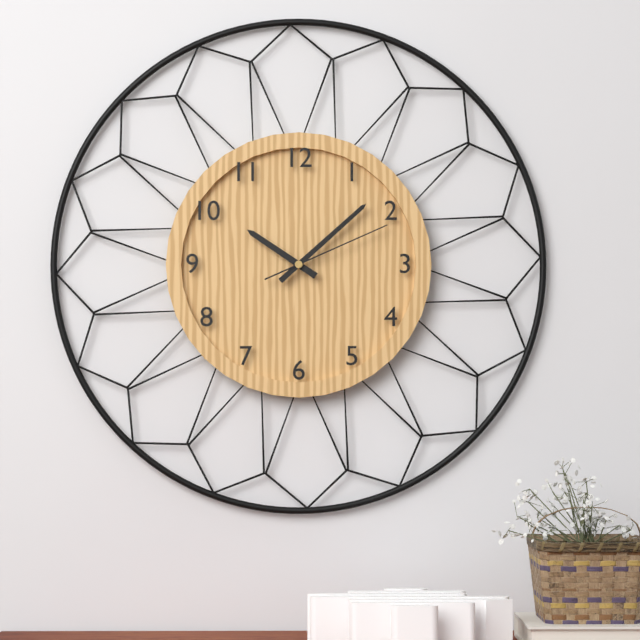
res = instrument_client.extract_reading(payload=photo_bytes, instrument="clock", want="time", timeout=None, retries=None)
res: 10:08:11
